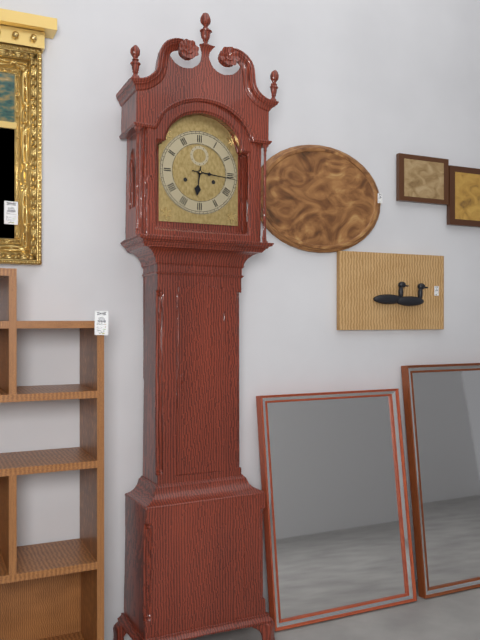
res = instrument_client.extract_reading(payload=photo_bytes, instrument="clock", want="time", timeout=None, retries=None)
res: 6:16
